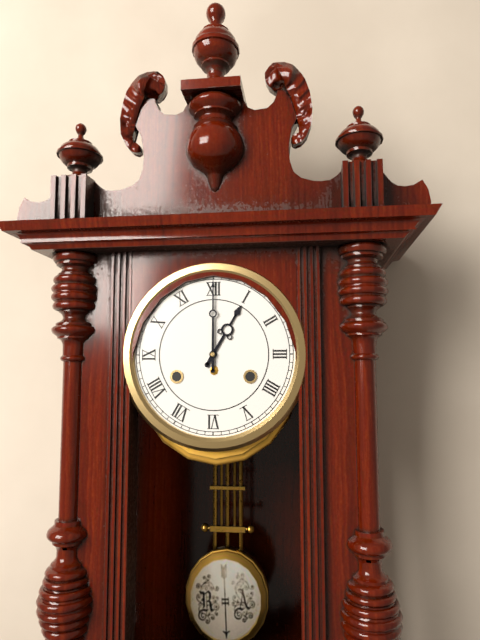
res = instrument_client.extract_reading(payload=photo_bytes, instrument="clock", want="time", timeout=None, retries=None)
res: 1:00
